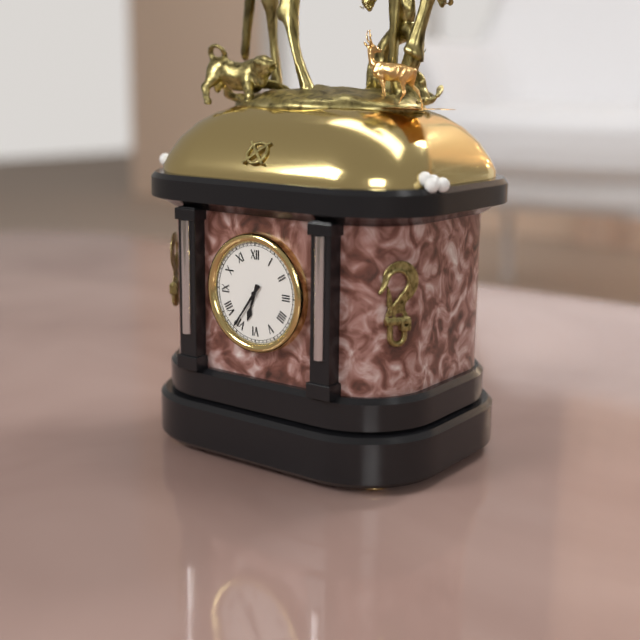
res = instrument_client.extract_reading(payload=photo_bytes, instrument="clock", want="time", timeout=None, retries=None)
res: 6:36
